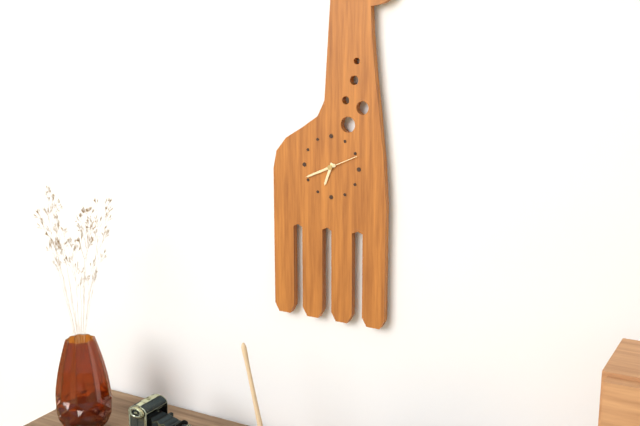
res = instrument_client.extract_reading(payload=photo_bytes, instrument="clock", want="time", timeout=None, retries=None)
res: 6:41
